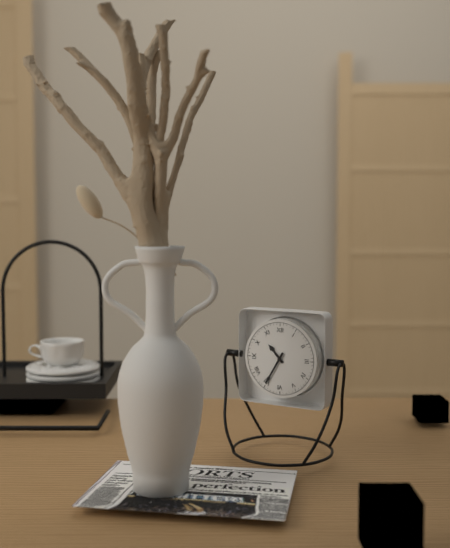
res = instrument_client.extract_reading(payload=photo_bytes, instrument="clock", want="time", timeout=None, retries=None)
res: 10:35
